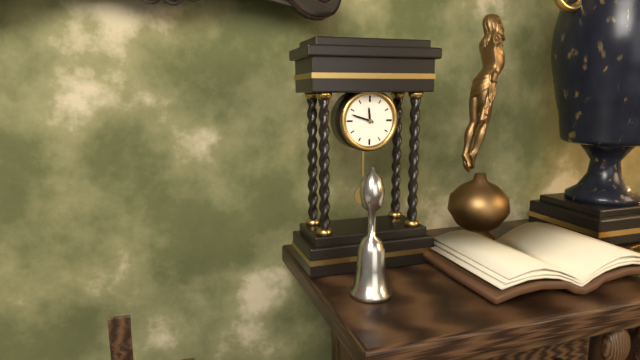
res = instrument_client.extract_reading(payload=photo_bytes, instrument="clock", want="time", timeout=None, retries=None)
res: 11:48
